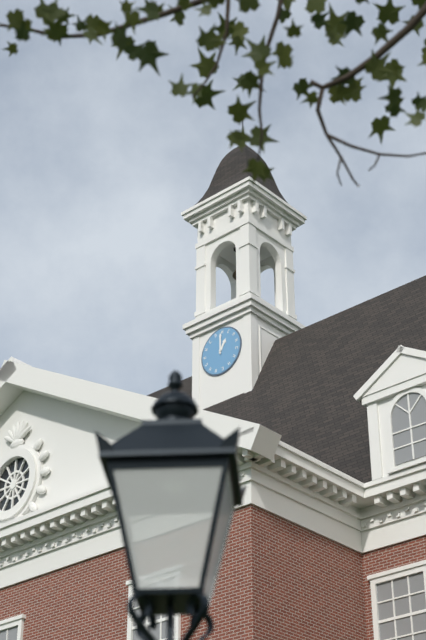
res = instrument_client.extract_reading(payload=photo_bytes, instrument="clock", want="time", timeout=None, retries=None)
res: 1:00
